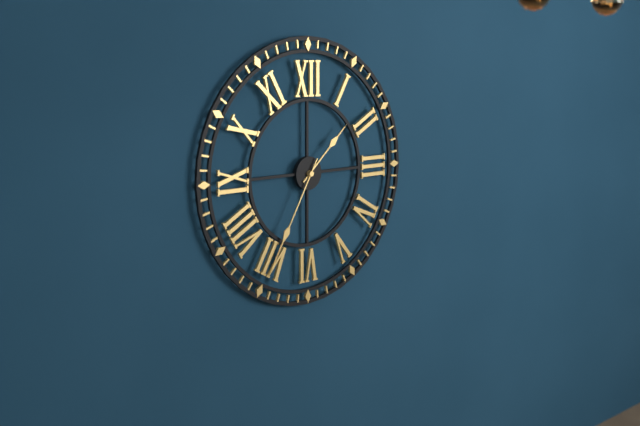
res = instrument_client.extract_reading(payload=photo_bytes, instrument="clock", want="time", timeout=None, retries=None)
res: 1:35
